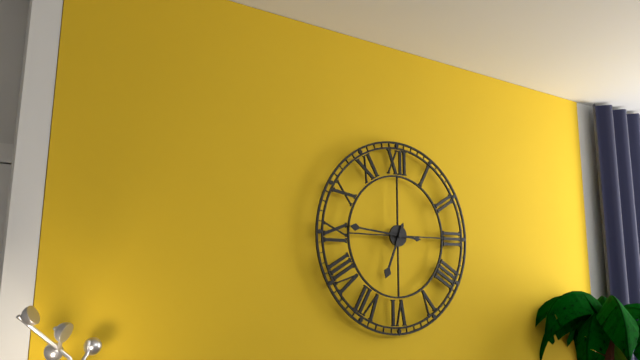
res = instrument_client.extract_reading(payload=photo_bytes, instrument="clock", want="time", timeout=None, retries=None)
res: 6:46
